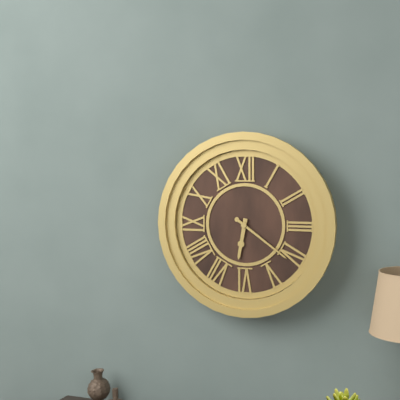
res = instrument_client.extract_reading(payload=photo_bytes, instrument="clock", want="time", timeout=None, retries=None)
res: 6:21
